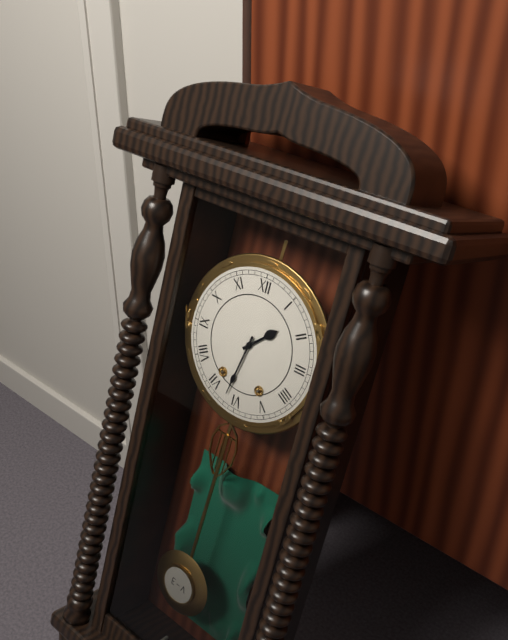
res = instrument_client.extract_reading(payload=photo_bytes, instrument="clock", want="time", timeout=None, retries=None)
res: 1:32
